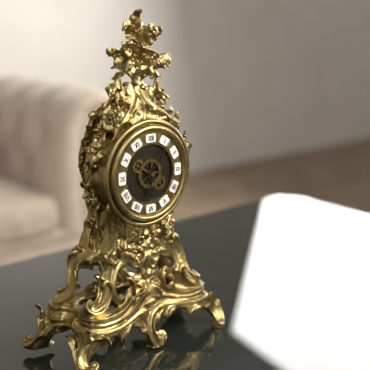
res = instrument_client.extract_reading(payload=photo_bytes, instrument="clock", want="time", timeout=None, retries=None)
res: 6:06
